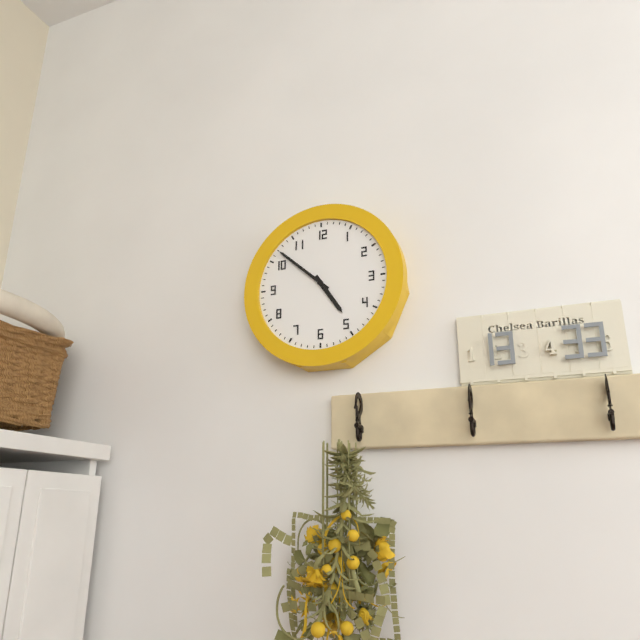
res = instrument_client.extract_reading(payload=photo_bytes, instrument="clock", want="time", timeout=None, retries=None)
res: 4:52
